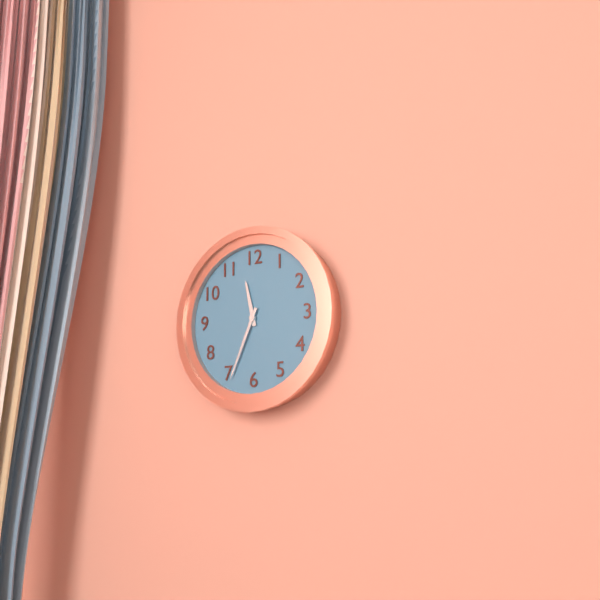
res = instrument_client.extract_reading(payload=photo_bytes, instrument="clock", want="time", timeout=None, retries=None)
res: 11:34
